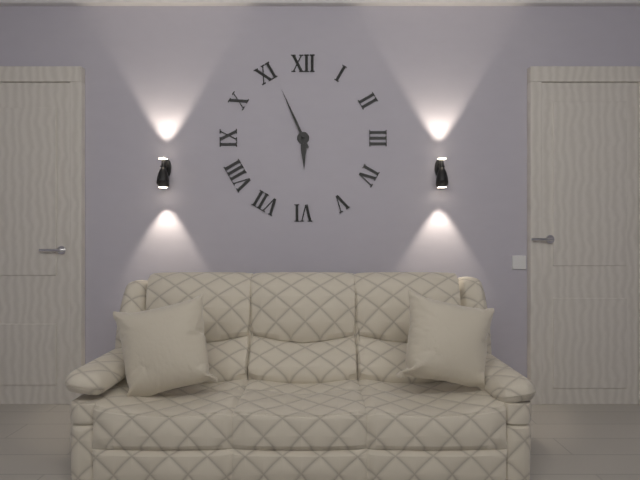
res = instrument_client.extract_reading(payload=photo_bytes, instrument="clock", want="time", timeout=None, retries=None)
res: 5:56
